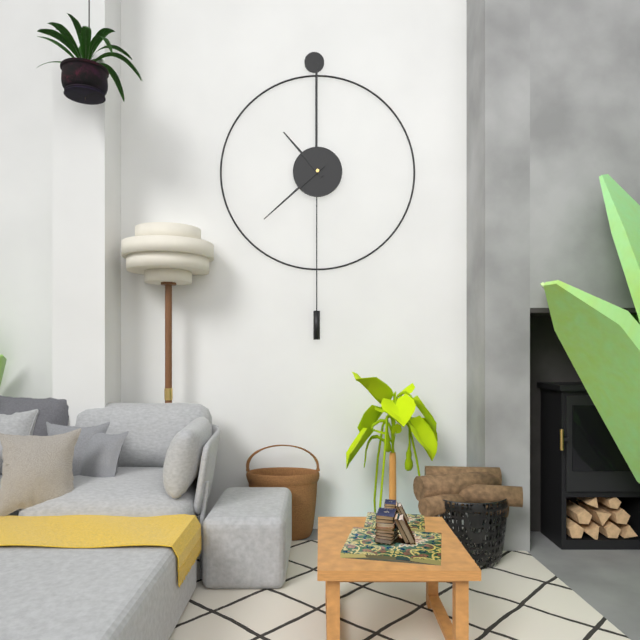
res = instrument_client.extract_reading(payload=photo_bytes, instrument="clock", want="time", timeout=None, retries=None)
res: 10:38
